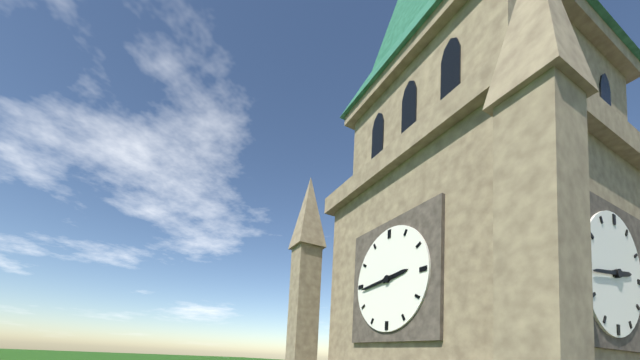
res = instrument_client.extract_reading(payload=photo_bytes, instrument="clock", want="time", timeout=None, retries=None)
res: 2:44
